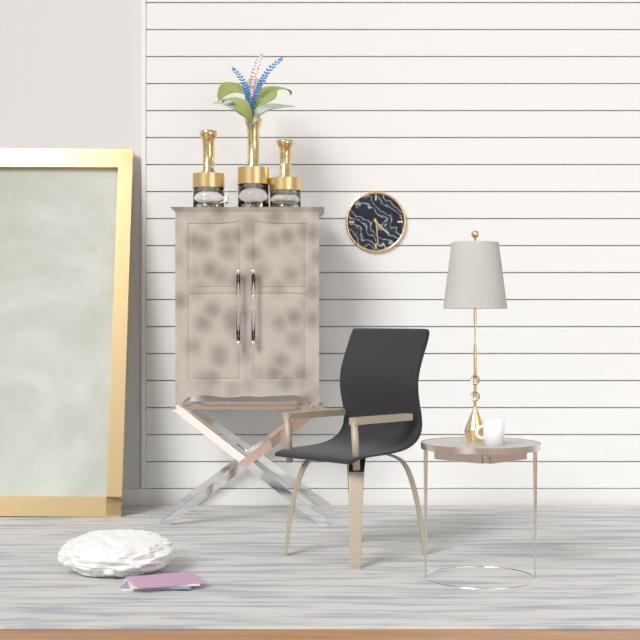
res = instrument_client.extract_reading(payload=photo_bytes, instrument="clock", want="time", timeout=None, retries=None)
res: 4:29
